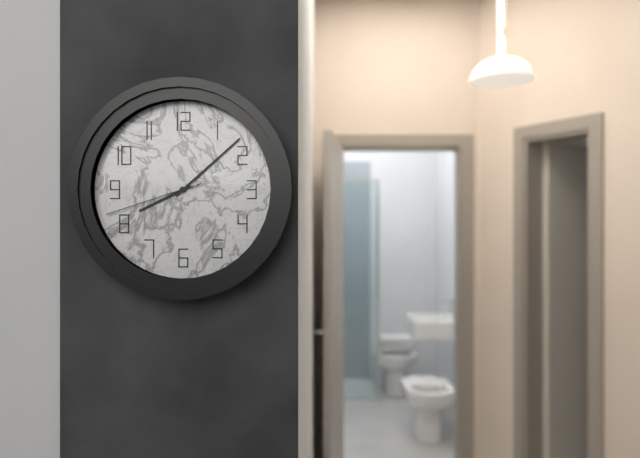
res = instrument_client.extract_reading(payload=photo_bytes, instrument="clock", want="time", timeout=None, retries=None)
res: 8:08:42
